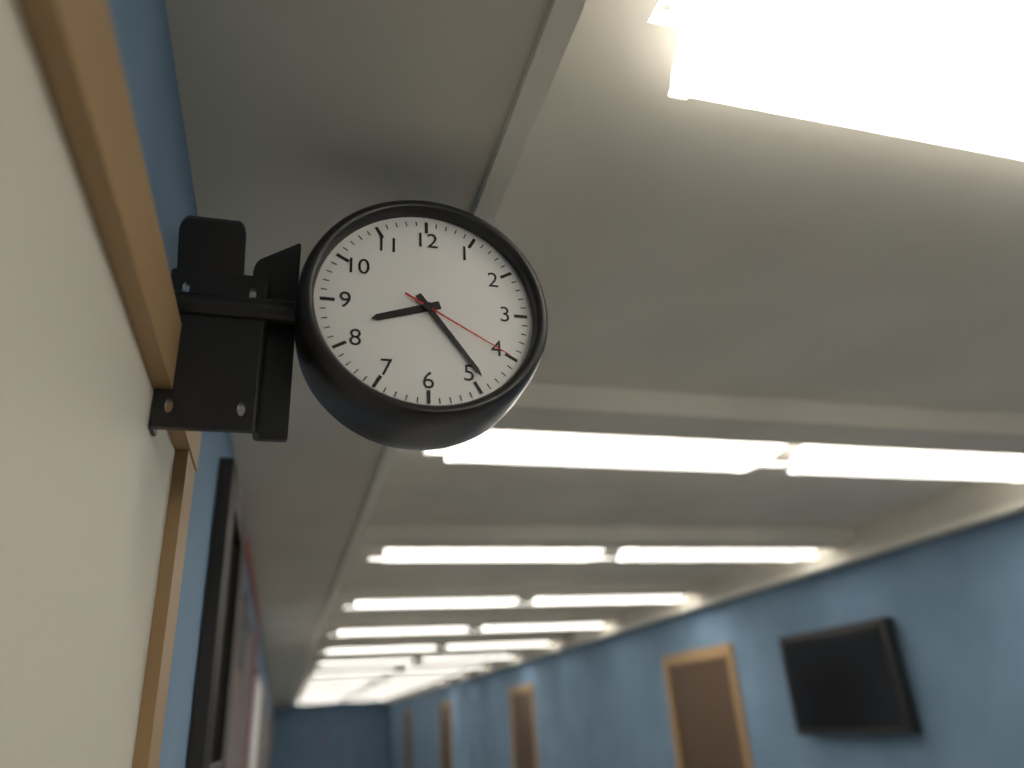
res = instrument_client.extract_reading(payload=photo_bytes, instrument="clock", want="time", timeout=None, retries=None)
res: 8:24:20
